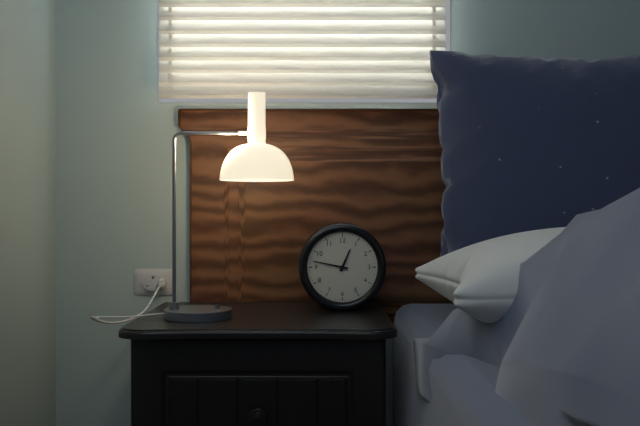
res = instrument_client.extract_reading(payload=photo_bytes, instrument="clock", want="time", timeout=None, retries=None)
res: 12:47
